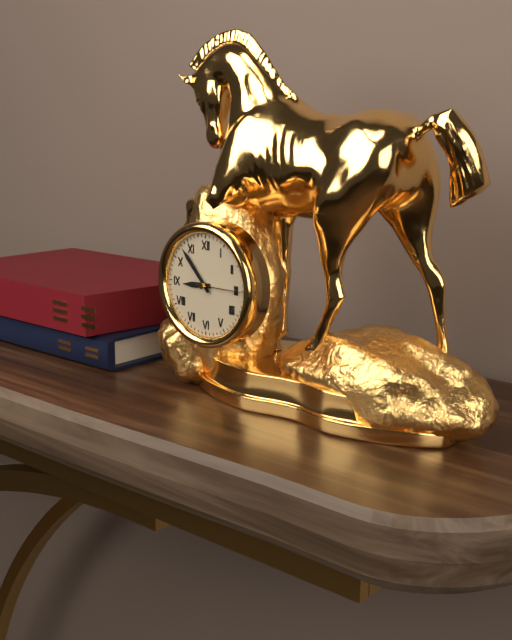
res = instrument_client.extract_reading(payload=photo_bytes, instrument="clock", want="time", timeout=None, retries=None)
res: 8:53
